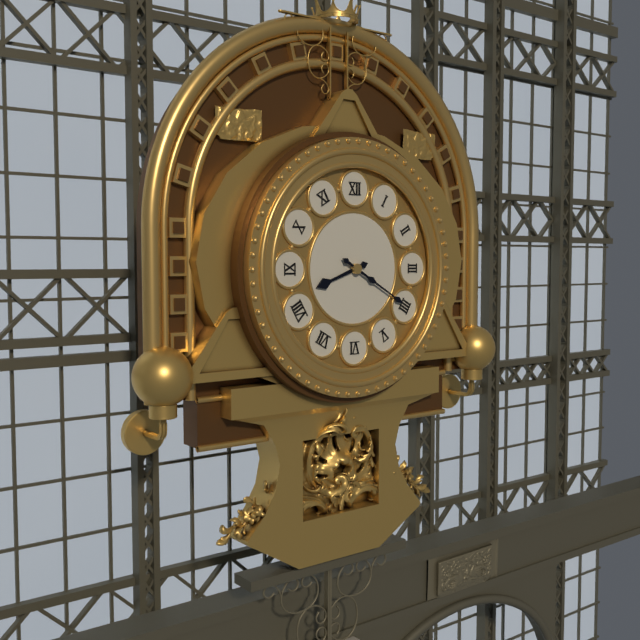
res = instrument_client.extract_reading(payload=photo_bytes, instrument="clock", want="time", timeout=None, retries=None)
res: 8:20
